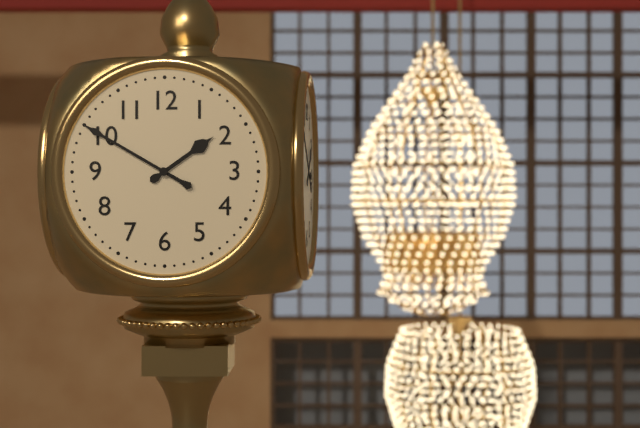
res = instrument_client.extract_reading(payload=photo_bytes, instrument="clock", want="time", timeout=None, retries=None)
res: 1:50
